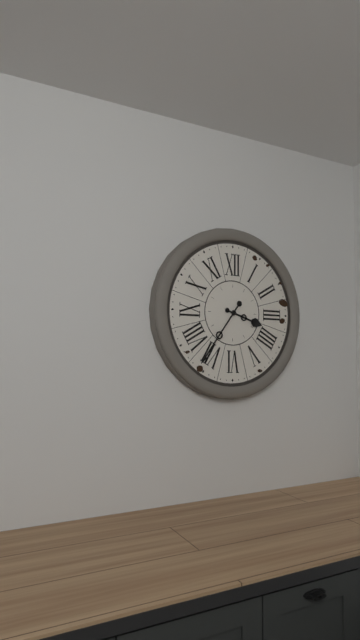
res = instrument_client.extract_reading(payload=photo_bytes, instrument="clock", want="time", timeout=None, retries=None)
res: 3:36
